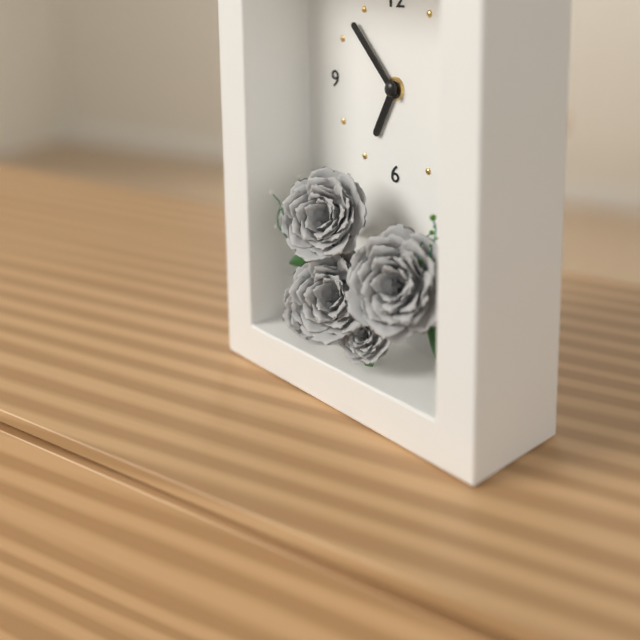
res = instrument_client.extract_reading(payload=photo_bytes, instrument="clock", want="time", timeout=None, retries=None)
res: 6:53
